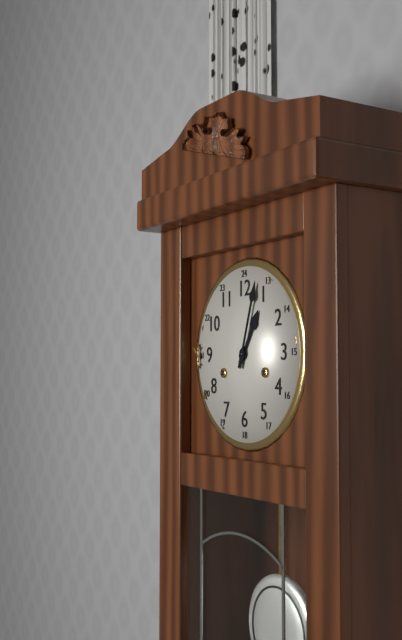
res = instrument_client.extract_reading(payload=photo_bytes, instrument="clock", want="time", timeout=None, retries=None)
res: 1:03
